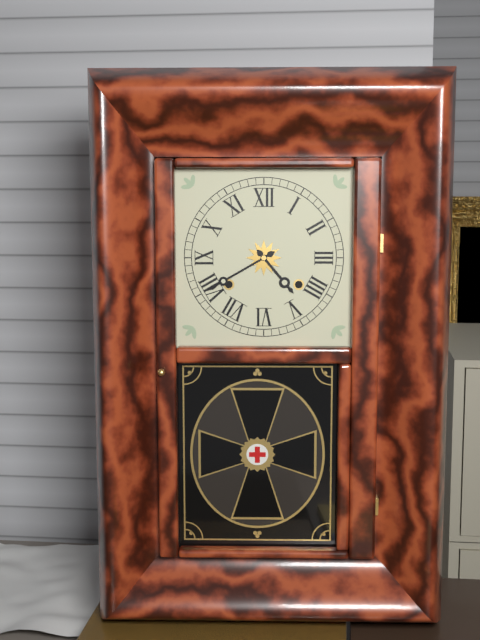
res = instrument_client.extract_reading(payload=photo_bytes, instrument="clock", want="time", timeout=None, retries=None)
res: 4:40
